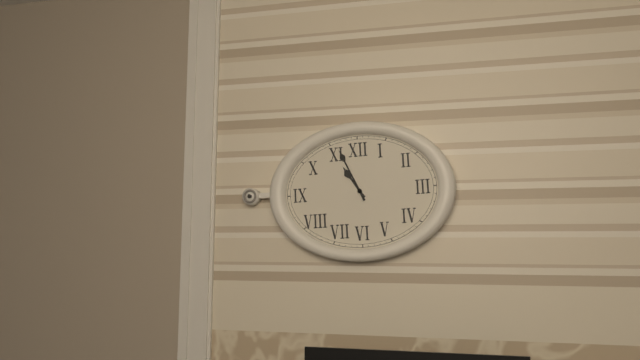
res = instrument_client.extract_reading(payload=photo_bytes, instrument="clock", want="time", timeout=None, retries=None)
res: 10:56
